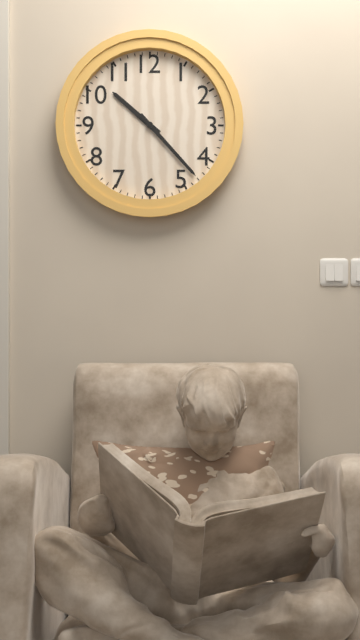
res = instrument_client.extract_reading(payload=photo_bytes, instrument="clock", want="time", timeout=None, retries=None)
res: 10:23
